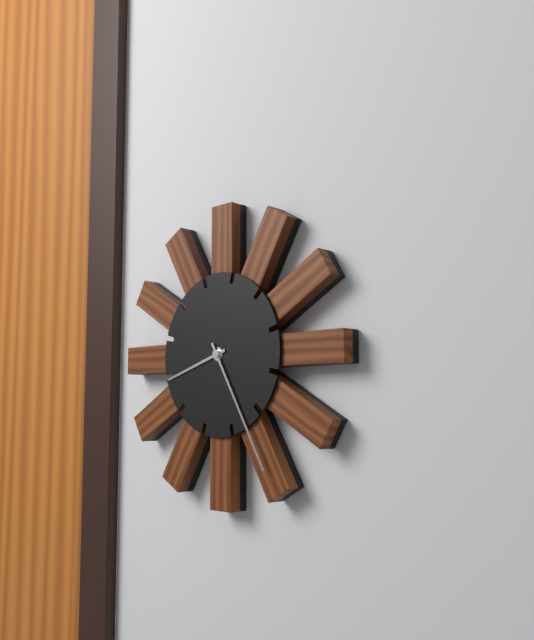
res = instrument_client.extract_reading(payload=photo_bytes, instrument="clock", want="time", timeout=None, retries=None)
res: 8:25
